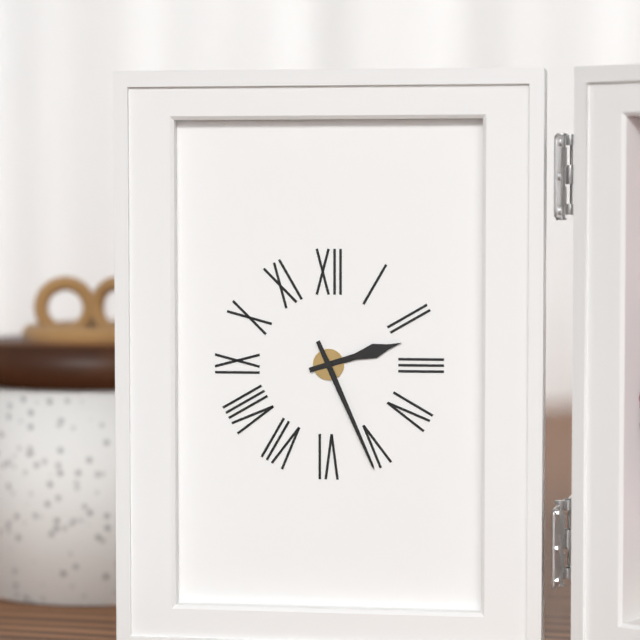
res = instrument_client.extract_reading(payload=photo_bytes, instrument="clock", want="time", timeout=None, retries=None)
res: 2:26
